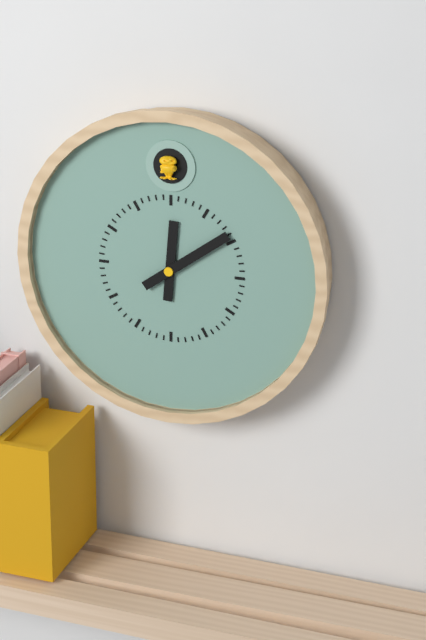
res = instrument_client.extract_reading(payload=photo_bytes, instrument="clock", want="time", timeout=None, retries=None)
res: 12:09
